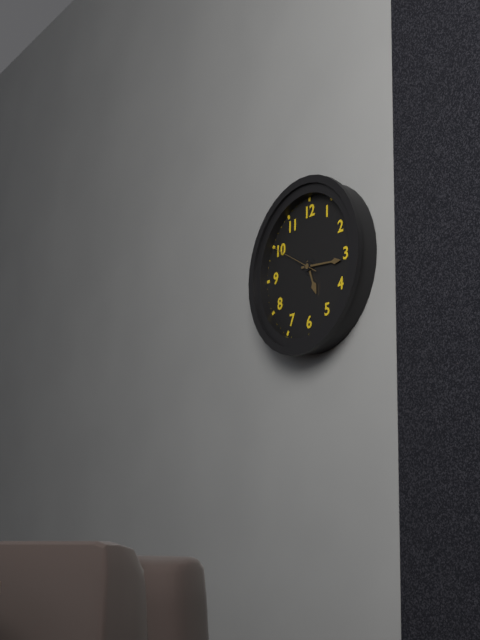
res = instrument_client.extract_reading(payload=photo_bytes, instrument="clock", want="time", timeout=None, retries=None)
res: 5:16
